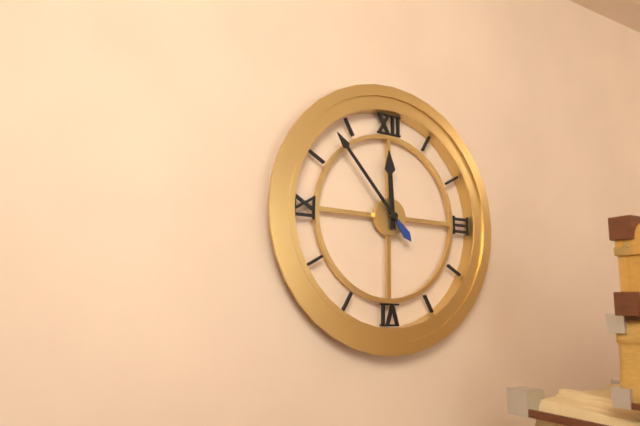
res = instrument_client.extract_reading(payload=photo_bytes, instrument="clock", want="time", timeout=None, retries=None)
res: 11:53
